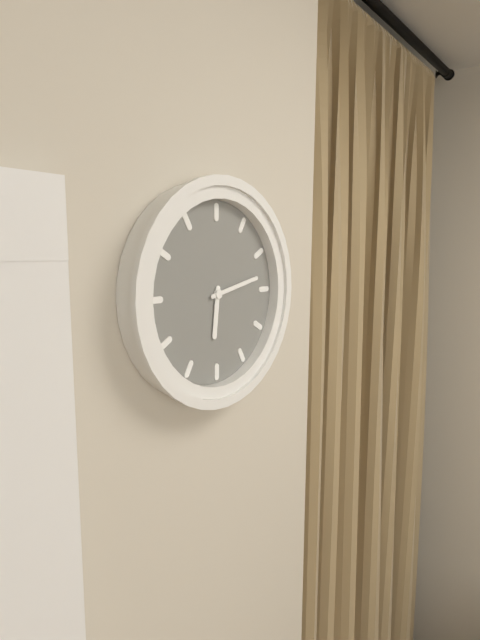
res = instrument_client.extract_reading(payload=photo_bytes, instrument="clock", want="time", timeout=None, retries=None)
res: 6:13
